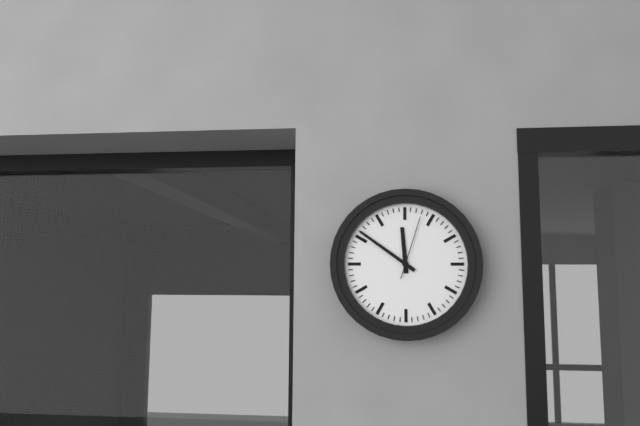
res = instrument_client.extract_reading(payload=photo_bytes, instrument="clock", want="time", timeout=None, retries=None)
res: 11:51:03
